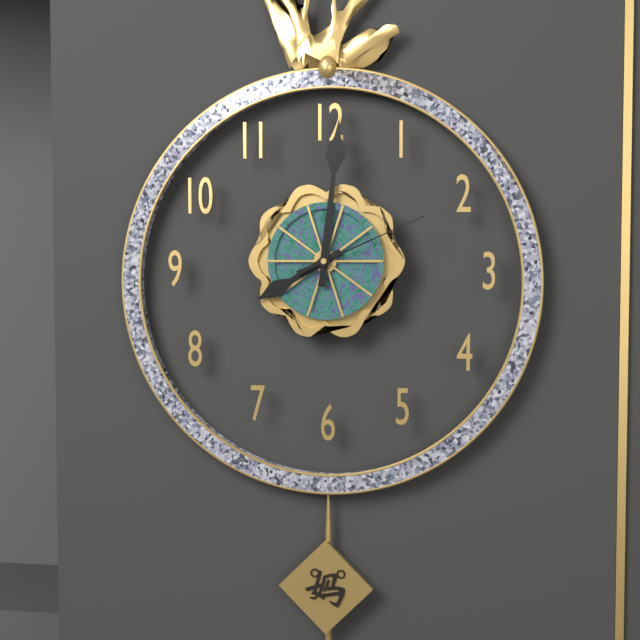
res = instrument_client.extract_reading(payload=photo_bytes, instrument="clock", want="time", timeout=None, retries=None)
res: 8:01:11
